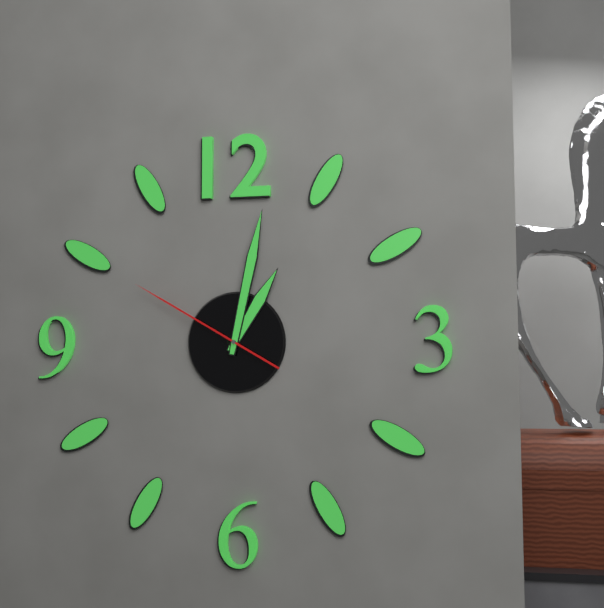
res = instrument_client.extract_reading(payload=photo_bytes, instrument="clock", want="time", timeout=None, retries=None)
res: 1:02:50
